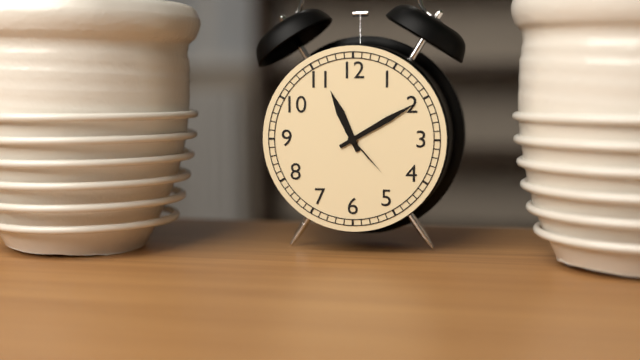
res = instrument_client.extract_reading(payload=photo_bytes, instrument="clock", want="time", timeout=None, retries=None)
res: 11:10:23
